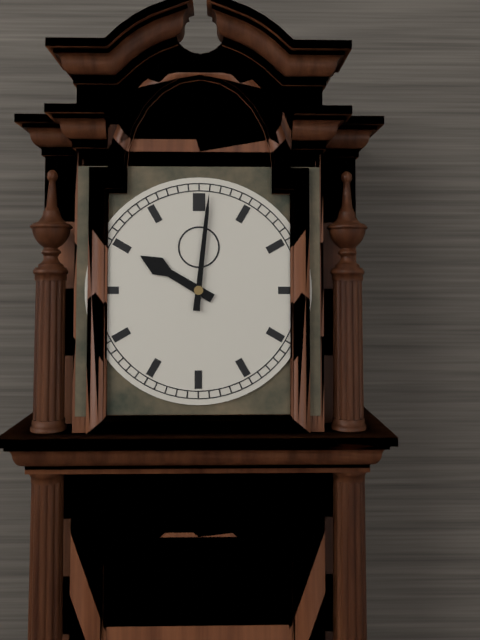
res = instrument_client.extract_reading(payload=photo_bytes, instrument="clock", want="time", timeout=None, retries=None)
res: 10:01
